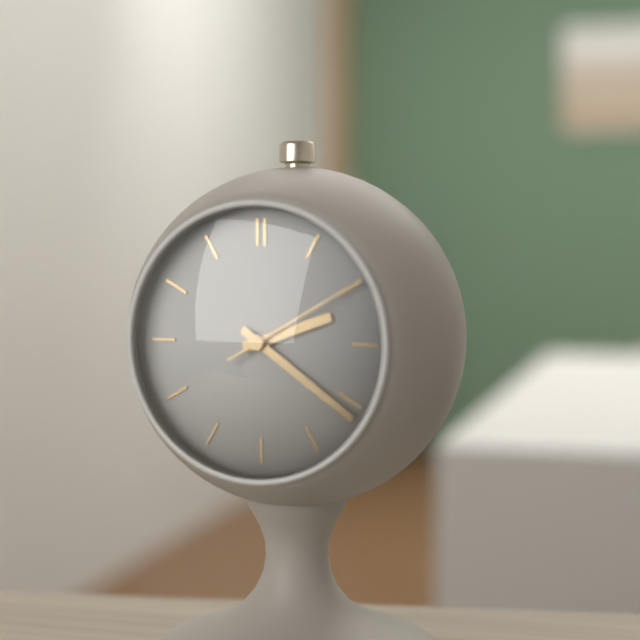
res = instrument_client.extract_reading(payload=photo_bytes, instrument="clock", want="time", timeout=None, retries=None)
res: 2:21:10
